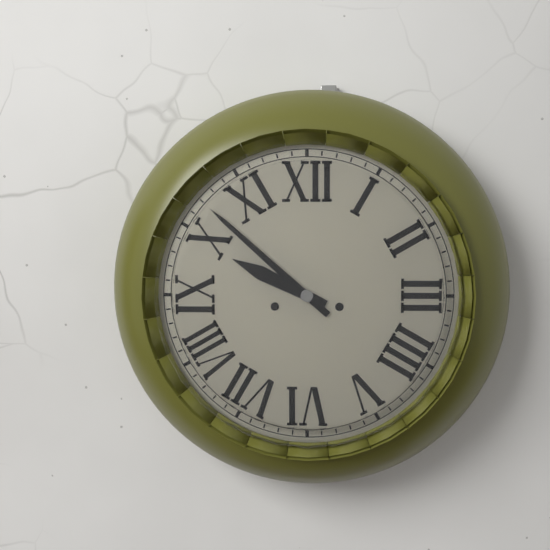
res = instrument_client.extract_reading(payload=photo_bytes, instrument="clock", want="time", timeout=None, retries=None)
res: 9:52
